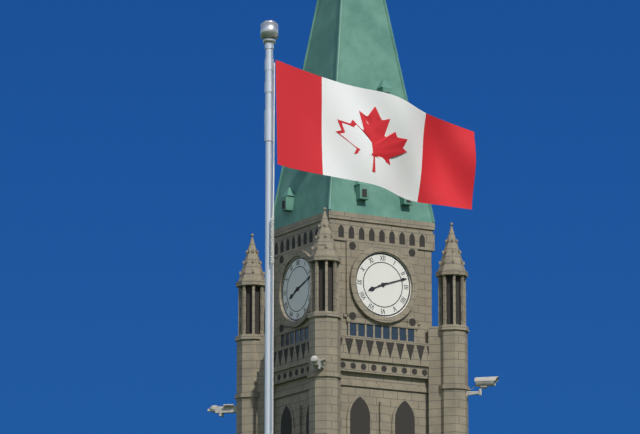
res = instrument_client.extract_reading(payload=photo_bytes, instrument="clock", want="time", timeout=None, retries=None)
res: 8:12
